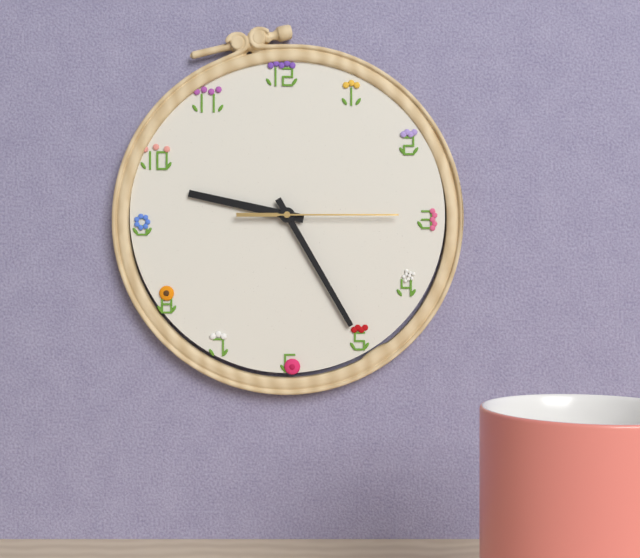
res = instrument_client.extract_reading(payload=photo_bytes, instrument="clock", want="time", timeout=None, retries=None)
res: 9:25:15
